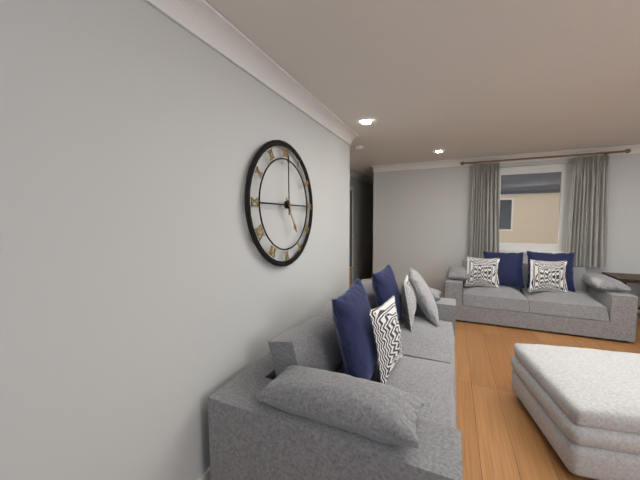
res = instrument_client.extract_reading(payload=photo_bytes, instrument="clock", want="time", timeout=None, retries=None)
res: 5:00
